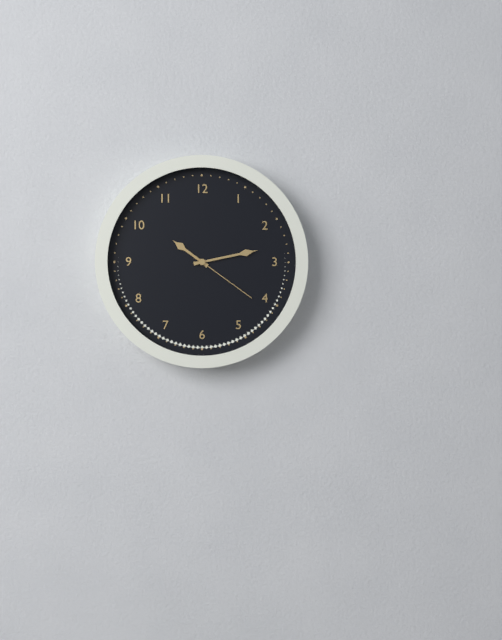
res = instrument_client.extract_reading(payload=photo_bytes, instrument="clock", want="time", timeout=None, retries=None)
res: 10:13:21
